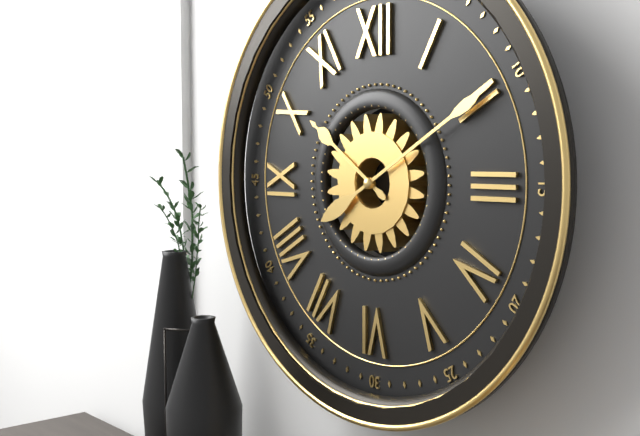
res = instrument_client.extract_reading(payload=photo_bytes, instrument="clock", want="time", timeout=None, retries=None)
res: 10:10
